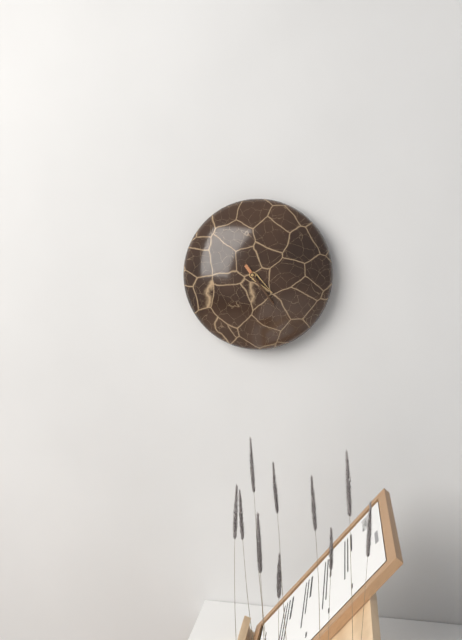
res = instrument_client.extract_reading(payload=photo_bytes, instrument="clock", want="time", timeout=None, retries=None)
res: 4:24
